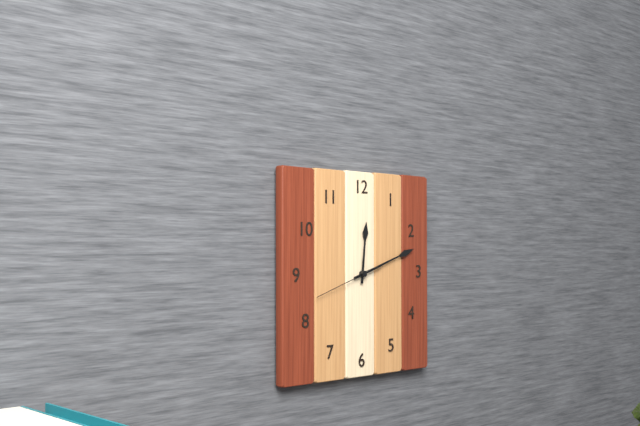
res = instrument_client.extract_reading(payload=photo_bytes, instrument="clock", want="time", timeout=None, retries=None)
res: 12:12:42
